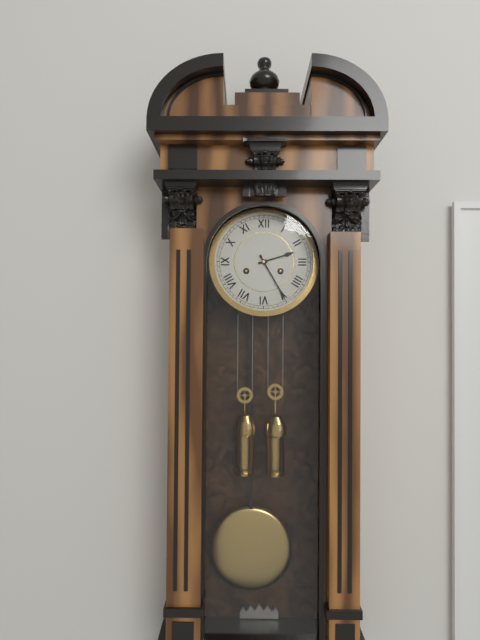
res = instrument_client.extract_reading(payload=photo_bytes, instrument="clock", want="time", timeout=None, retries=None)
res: 2:25
